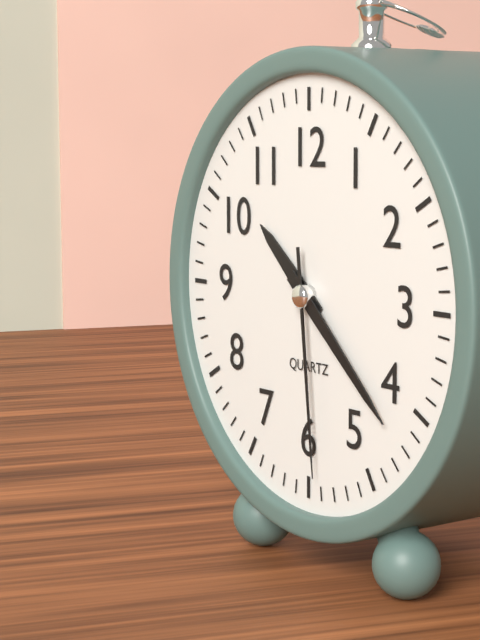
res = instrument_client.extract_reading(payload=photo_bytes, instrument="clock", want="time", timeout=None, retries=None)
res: 10:22:29
